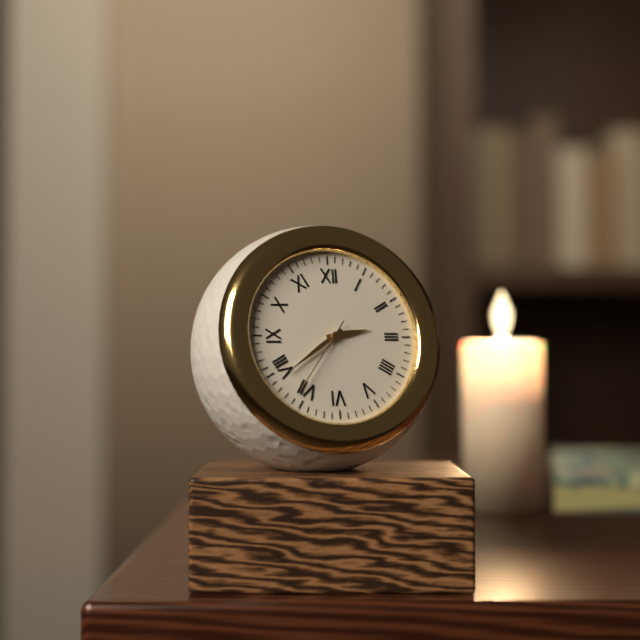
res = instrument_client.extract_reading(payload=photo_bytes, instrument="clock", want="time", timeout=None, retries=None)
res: 2:39:36
